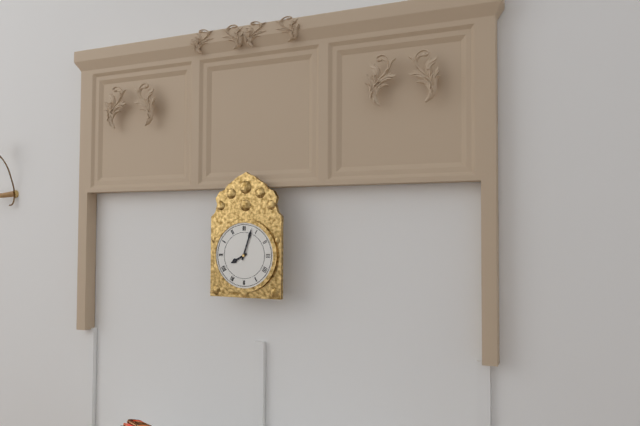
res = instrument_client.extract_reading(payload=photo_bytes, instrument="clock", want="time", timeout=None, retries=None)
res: 8:03
